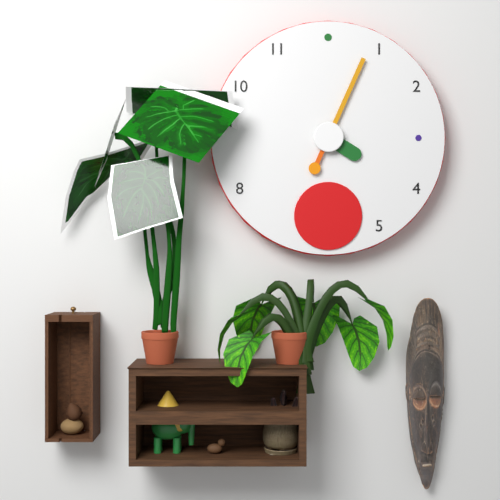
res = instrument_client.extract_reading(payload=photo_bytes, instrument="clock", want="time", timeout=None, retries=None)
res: 4:04
